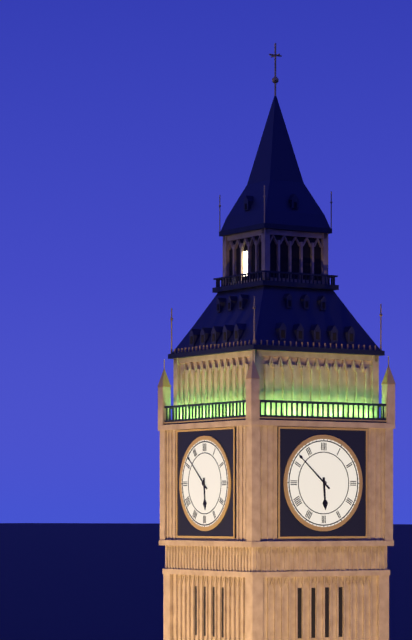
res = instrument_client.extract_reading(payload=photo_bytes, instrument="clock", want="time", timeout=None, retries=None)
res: 5:52
